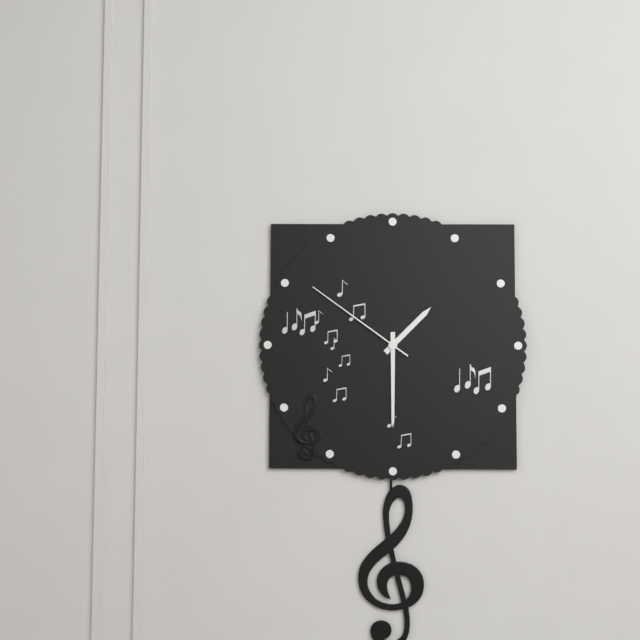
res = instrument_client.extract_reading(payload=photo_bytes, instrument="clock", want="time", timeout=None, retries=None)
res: 1:30:51
